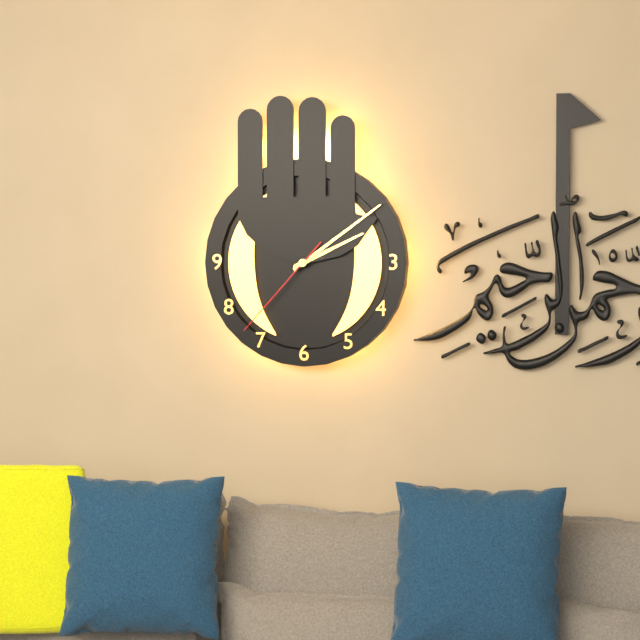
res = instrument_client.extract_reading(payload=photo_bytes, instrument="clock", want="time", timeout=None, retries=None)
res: 2:09:37
